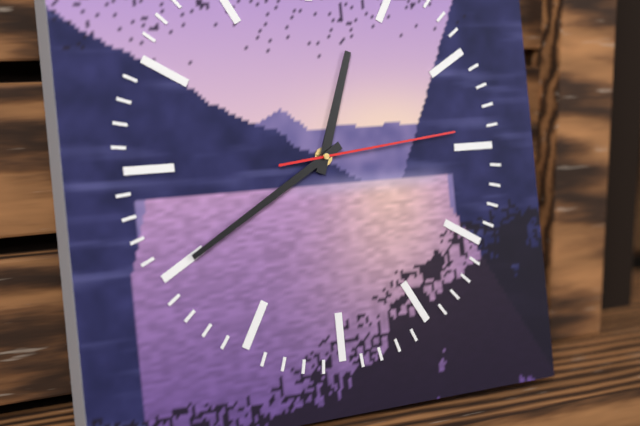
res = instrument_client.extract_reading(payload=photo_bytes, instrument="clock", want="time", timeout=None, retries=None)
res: 12:40:14
